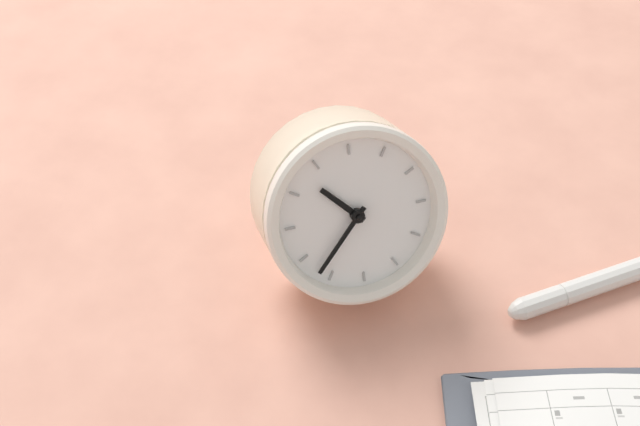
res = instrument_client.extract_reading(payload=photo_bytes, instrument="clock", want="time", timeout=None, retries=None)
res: 9:32
